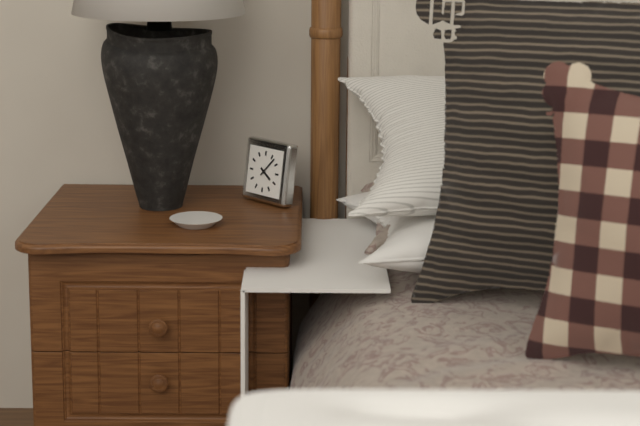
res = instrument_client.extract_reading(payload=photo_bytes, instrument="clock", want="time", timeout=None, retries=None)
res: 4:07
